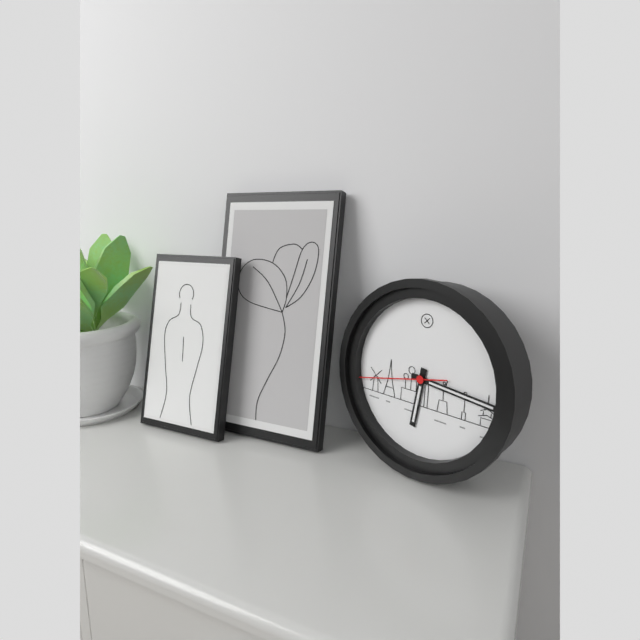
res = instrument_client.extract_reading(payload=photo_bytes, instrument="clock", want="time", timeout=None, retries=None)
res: 6:16:43
